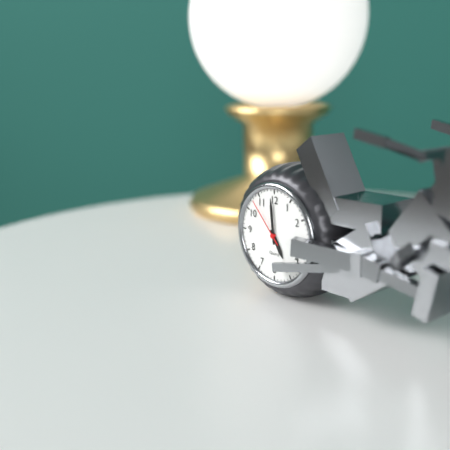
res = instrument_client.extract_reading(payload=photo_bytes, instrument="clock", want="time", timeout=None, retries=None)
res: 4:59:53
